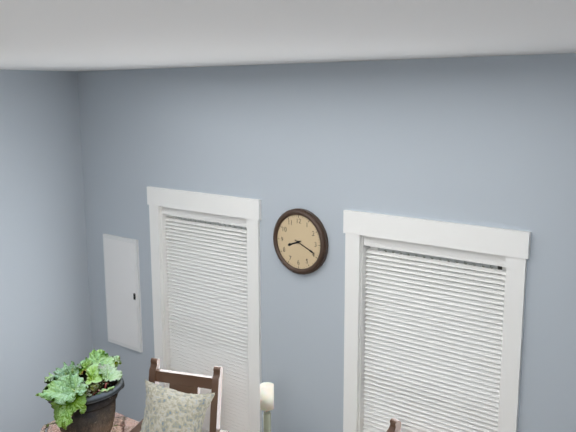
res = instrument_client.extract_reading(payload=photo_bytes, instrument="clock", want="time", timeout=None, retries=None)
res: 8:19
